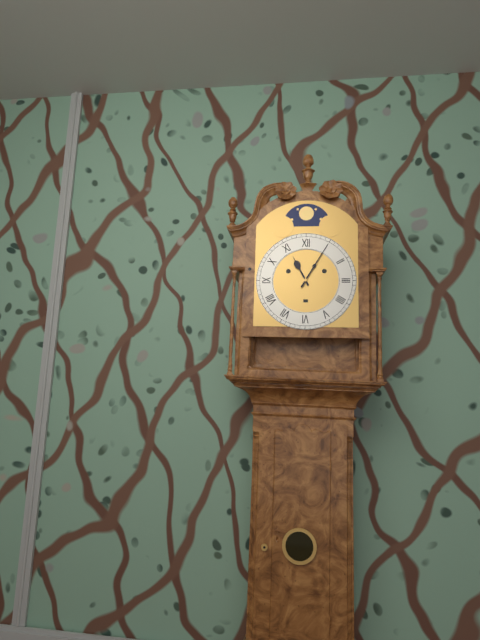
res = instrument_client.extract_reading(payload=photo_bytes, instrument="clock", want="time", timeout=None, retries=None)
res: 11:05
